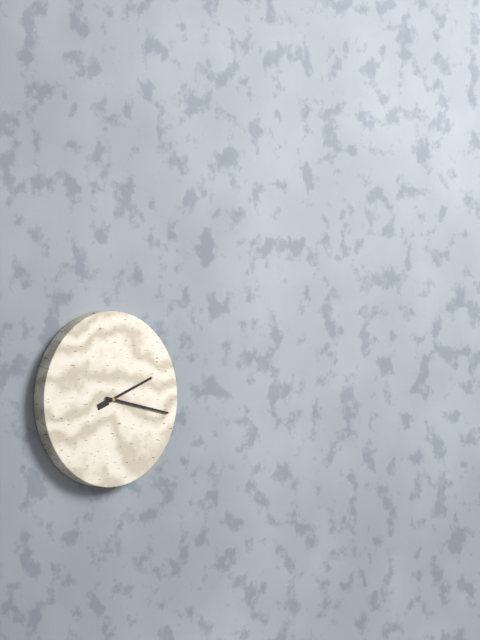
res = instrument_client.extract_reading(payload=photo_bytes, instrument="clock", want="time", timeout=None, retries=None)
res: 2:17
